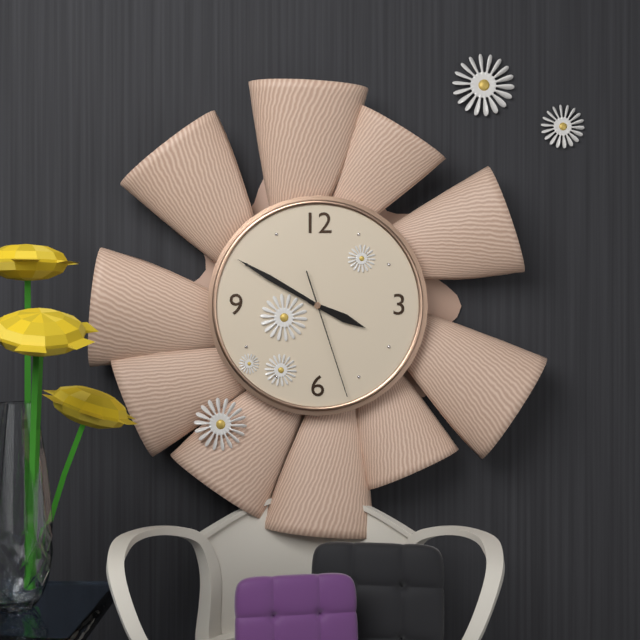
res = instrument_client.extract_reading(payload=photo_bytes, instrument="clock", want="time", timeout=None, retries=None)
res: 3:50:27
